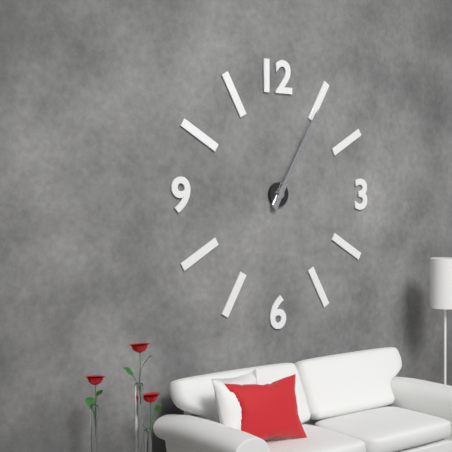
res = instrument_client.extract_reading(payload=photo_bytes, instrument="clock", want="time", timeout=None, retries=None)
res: 1:05
